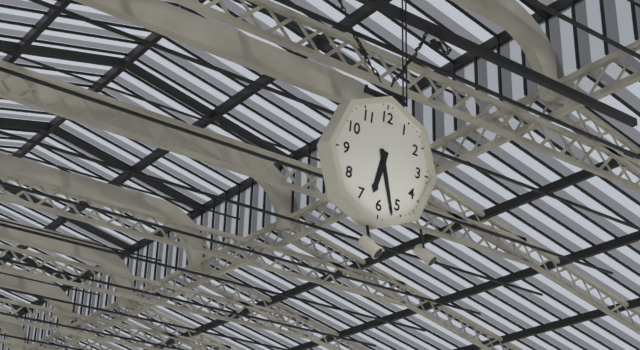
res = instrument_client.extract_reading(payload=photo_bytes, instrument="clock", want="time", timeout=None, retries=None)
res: 6:27
